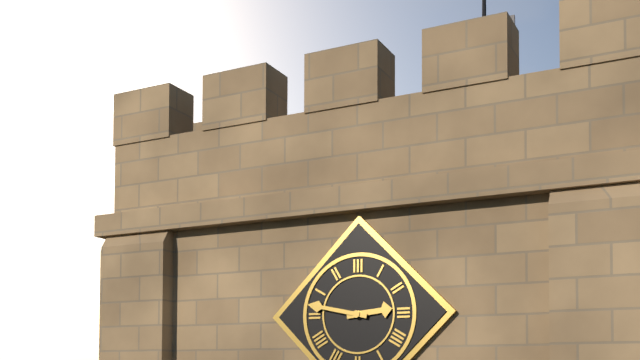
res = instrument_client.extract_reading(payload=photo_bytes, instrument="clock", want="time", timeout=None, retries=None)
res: 2:47
